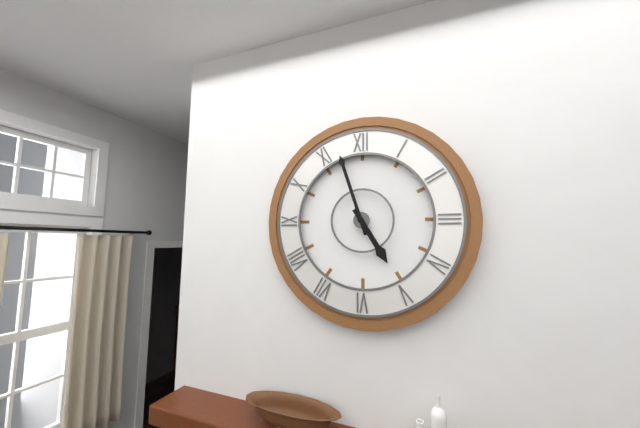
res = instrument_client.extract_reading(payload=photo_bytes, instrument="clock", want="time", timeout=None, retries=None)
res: 4:57
